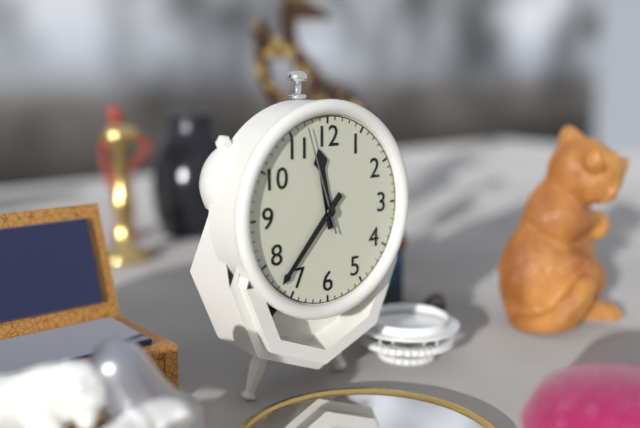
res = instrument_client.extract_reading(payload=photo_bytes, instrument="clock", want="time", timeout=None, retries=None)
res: 11:37:57
